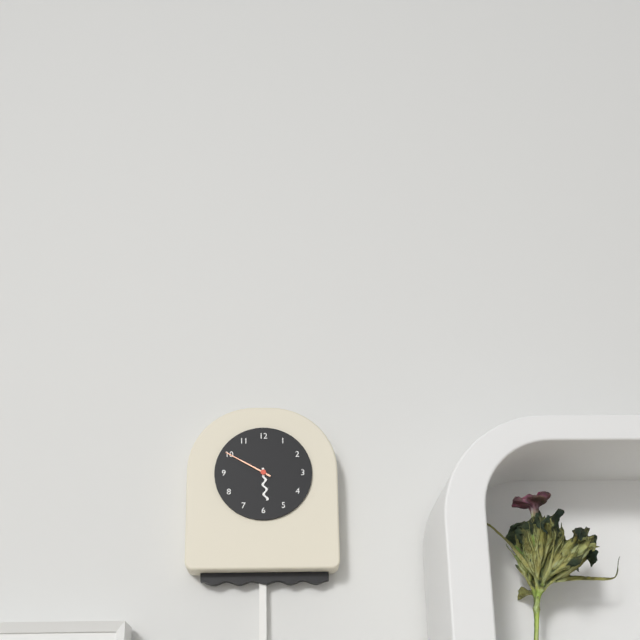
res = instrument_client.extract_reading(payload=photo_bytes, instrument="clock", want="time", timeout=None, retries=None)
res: 5:50
